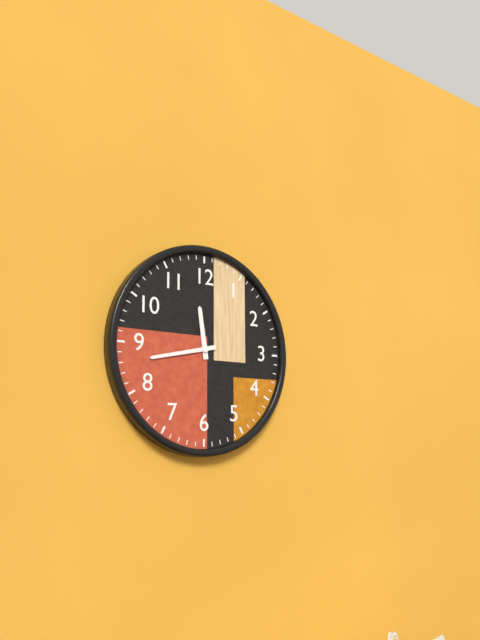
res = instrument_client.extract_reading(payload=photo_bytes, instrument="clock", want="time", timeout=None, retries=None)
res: 11:43
